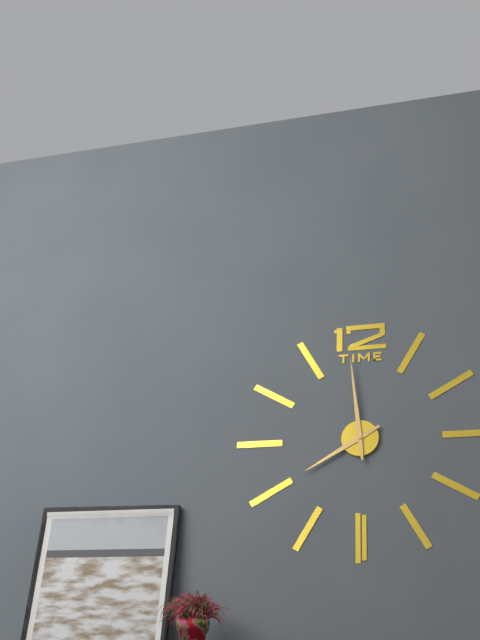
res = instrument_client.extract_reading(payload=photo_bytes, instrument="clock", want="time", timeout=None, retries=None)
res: 7:59
